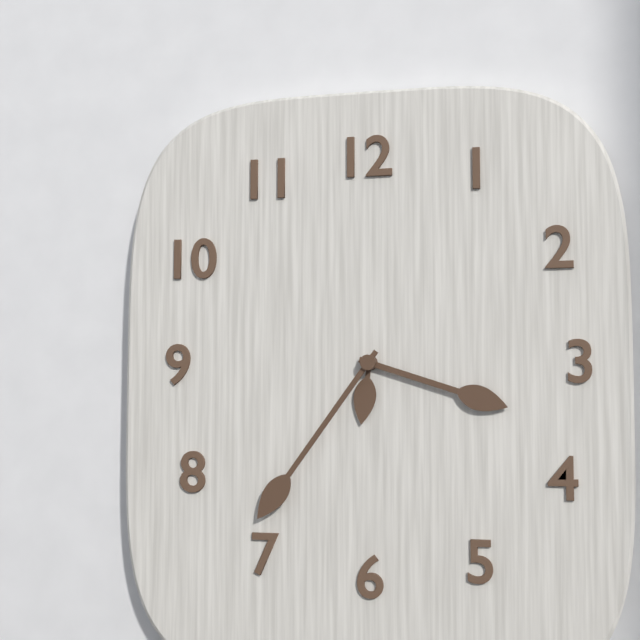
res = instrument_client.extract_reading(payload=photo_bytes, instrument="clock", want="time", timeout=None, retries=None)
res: 3:36
